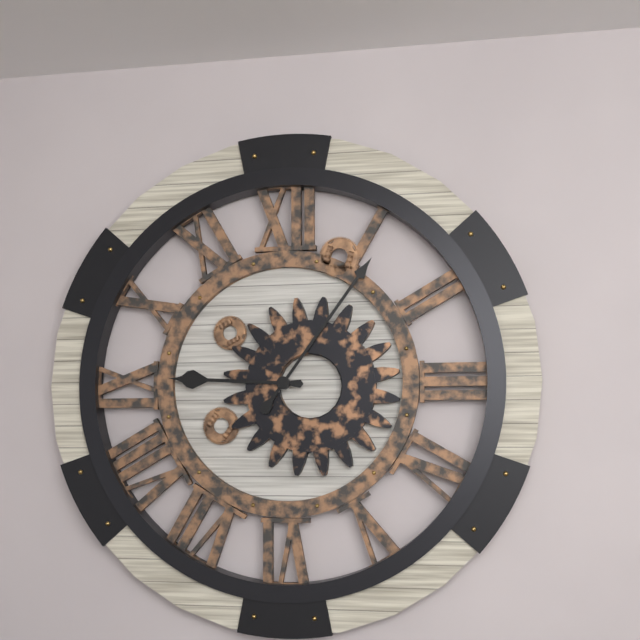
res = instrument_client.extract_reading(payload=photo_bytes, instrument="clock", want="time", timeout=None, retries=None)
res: 9:06
